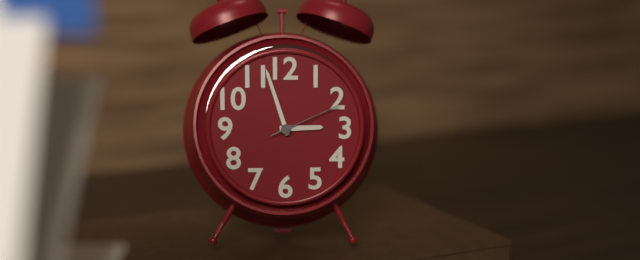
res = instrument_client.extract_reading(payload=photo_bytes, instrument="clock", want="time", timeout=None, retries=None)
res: 2:57:11
